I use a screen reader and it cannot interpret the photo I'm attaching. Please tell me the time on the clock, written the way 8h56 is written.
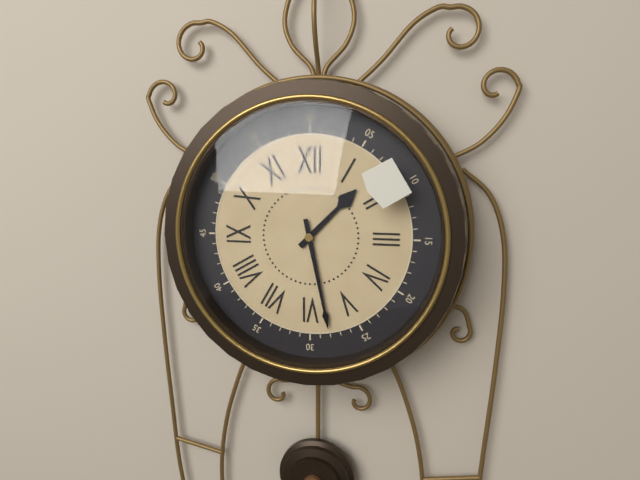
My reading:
1h28
